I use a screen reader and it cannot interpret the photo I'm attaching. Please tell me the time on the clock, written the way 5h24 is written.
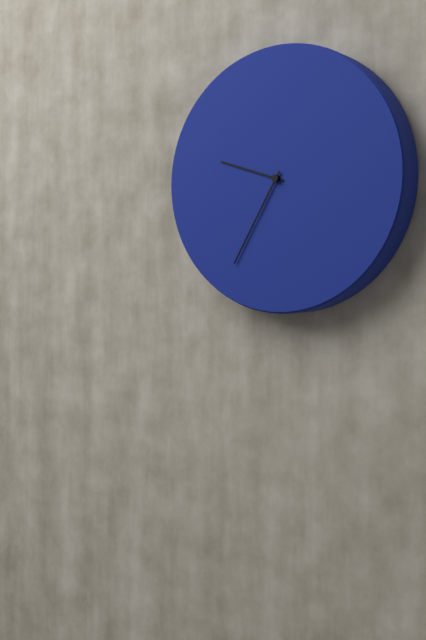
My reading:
9h35
